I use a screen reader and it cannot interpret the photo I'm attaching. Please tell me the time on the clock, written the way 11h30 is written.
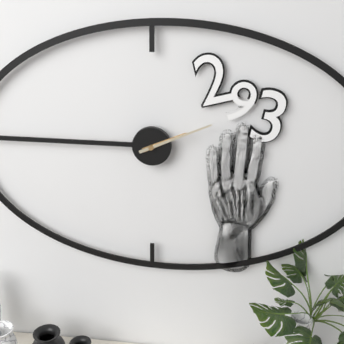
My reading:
2h11
